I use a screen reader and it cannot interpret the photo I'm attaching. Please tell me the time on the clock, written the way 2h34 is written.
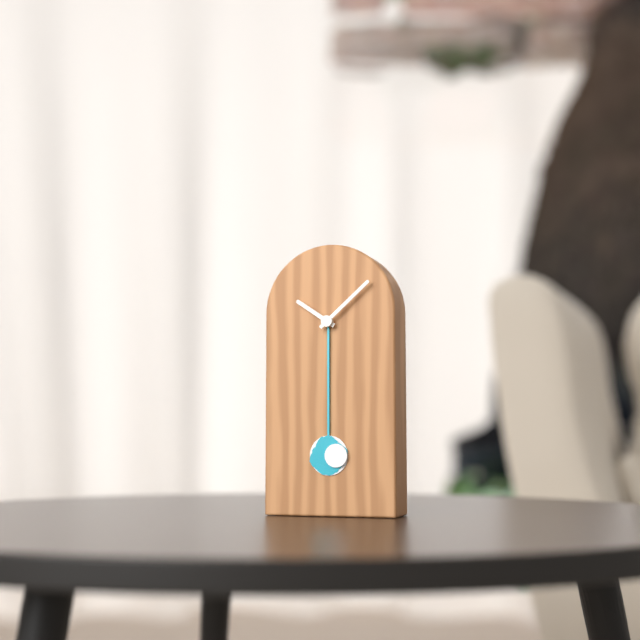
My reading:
10h08
